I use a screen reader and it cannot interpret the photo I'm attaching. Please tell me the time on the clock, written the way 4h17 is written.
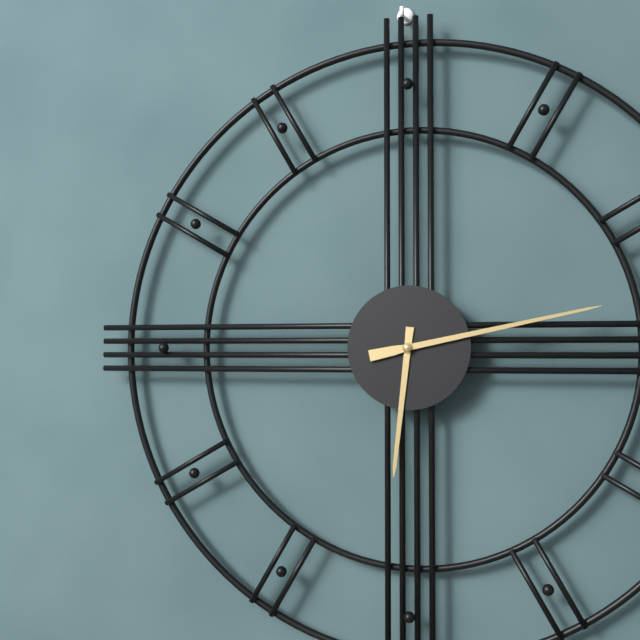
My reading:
6h13
